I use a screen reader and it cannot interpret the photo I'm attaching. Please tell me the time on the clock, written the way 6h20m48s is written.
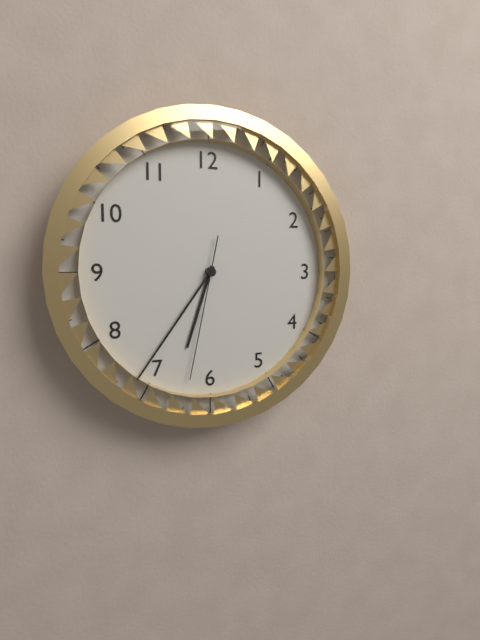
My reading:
6h36m32s
